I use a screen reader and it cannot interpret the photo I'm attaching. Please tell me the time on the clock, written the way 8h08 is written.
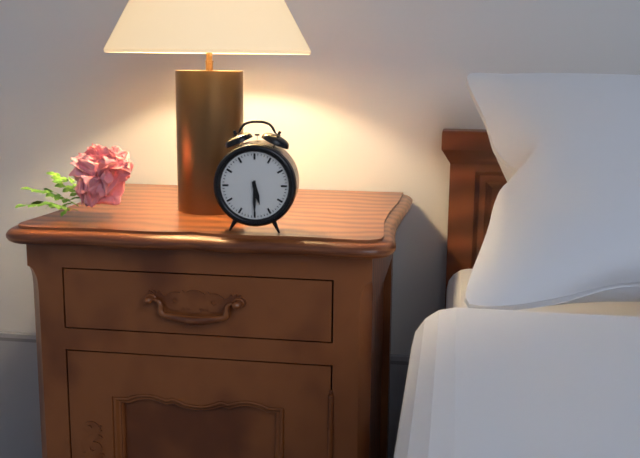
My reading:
5h30
